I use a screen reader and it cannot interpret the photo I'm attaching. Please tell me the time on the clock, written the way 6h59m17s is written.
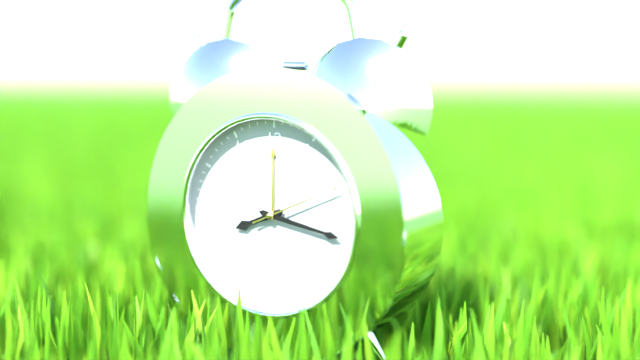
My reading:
8h17m11s
